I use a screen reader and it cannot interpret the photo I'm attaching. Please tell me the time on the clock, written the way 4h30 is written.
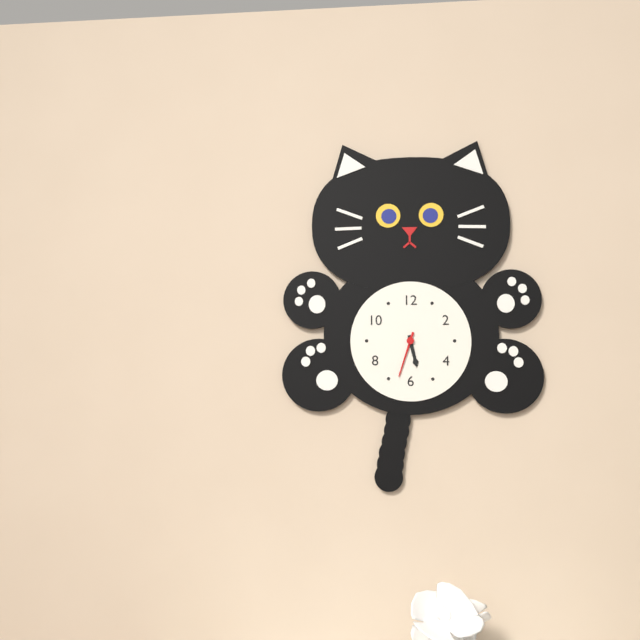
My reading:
5h33
